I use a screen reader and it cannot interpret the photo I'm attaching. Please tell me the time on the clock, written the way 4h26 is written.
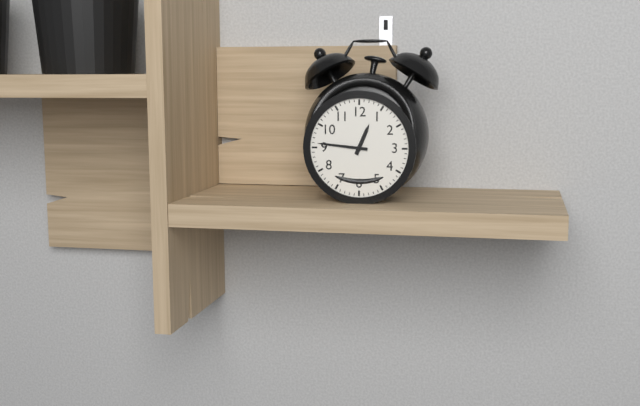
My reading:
12h46
